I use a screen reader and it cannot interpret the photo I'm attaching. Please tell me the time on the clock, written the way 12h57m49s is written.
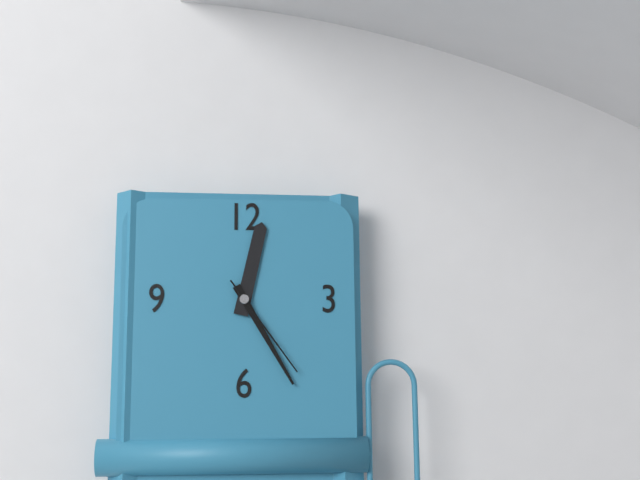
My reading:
12h25m24s
